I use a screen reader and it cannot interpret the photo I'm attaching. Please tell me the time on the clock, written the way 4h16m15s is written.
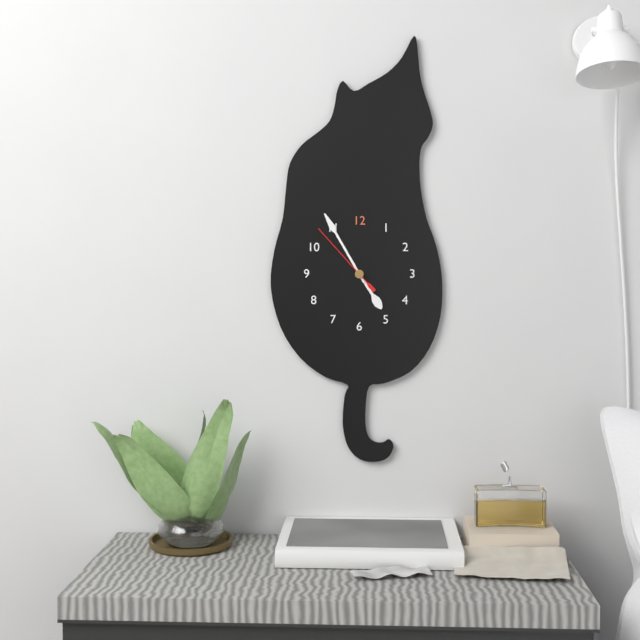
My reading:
4h55m53s
